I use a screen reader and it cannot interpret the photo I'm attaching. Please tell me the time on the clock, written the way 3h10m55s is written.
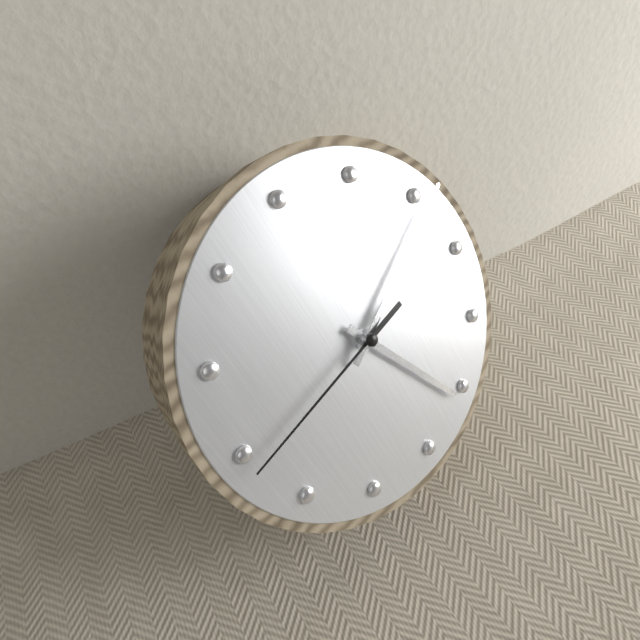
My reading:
5h11m44s
